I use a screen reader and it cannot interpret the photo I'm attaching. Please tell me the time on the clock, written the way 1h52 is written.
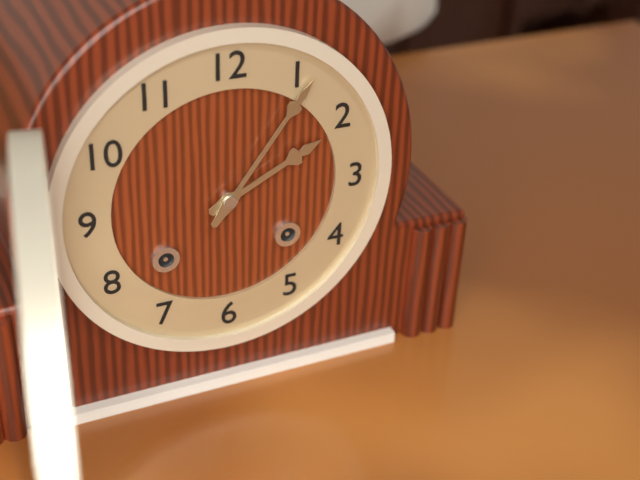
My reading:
2h06
